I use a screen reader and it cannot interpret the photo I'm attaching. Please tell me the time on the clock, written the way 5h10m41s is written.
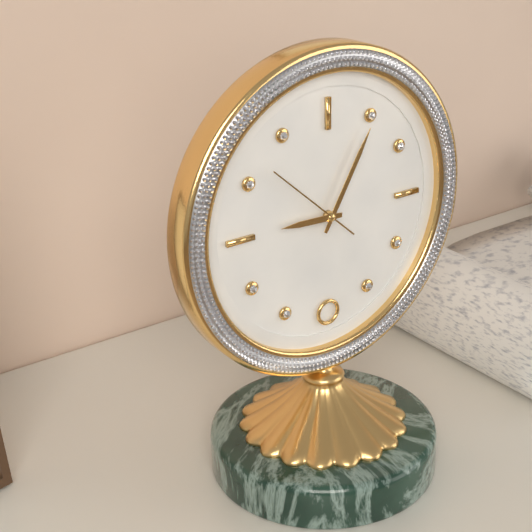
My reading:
9h05m52s
